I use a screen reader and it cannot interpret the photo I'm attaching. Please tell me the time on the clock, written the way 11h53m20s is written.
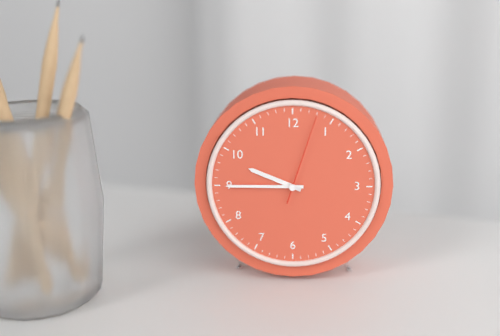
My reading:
9h45m03s
